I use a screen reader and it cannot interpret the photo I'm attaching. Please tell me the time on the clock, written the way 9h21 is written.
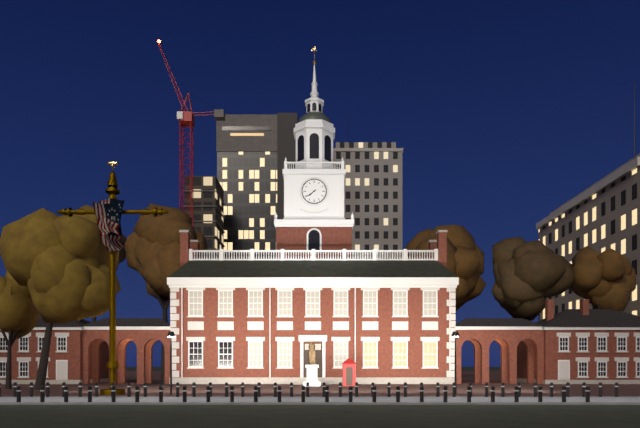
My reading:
7h39
